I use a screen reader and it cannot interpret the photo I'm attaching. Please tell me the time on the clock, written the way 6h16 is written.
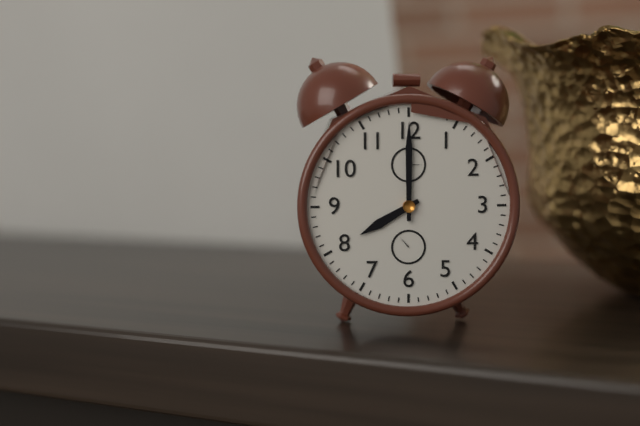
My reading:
8h00
